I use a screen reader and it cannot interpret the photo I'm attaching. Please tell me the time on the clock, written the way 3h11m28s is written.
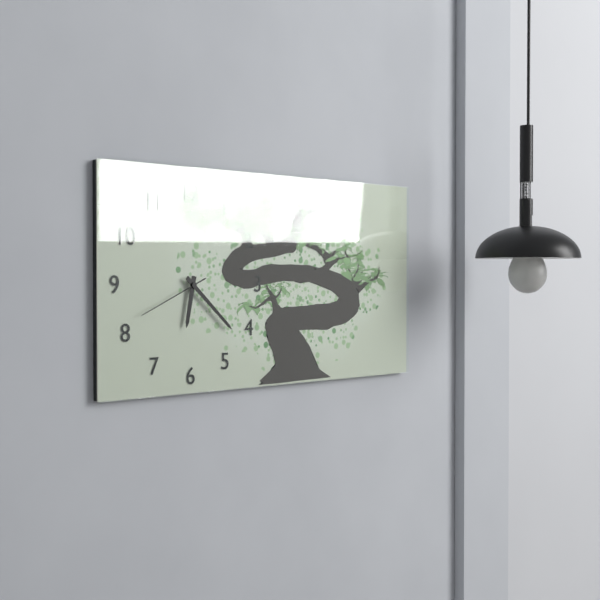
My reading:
6h22m41s
